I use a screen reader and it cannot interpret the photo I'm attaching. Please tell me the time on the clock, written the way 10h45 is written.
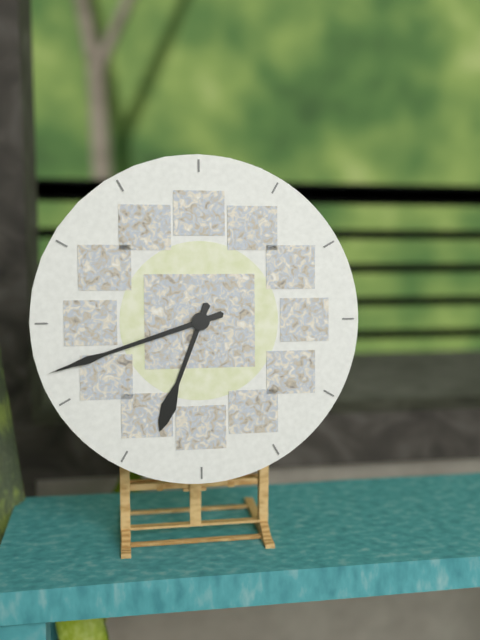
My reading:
6h42
